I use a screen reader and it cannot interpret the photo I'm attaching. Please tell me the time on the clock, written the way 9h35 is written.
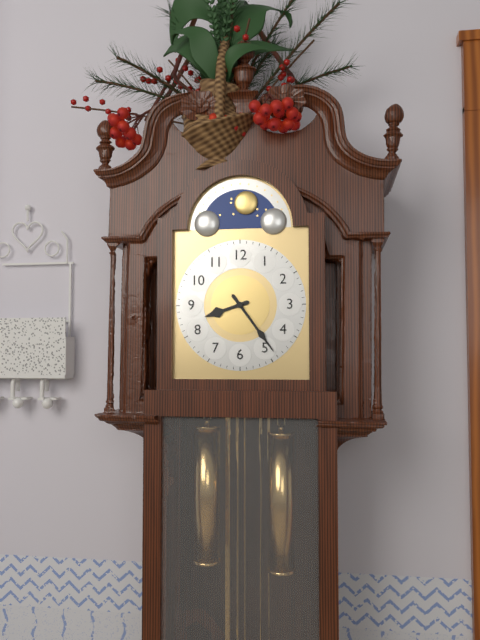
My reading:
8h24
